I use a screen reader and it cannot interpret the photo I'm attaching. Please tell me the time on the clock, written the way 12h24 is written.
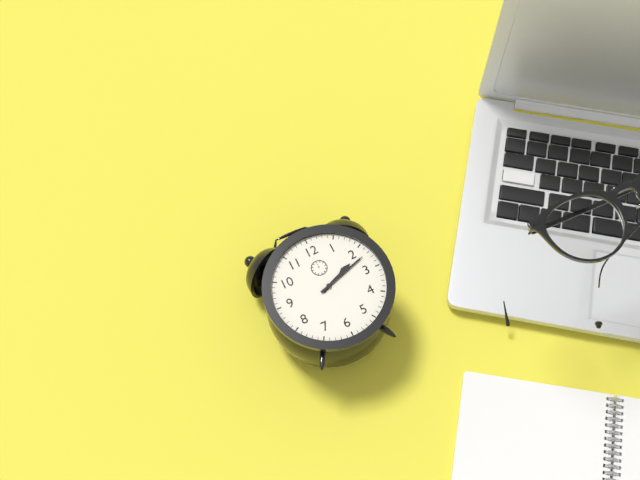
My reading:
2h12
